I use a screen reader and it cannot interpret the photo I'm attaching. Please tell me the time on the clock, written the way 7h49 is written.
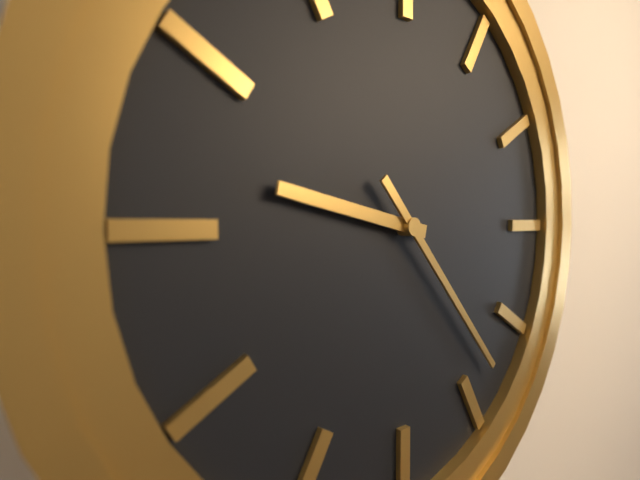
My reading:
9h23
